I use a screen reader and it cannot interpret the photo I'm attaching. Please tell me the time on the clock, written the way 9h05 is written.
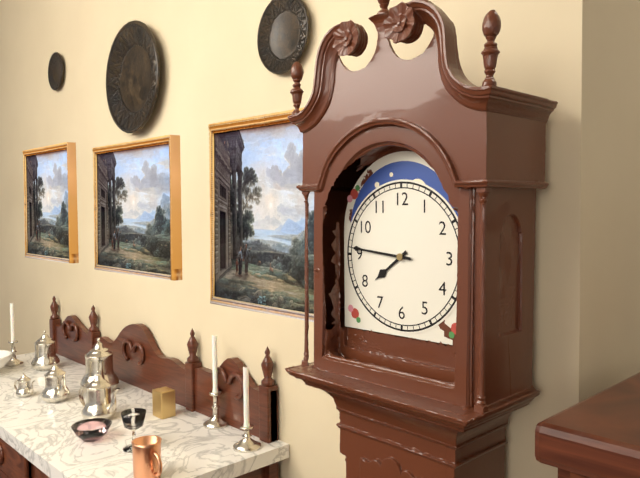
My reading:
7h46
